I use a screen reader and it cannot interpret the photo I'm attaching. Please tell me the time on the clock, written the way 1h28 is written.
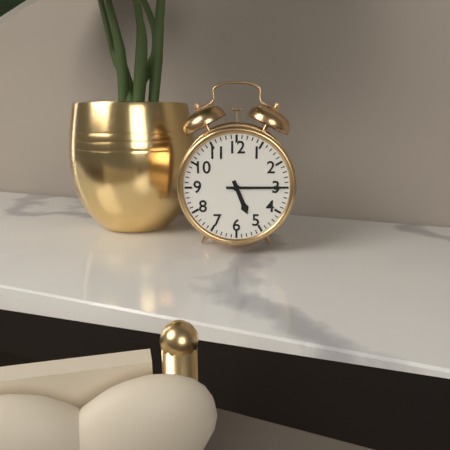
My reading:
5h15
